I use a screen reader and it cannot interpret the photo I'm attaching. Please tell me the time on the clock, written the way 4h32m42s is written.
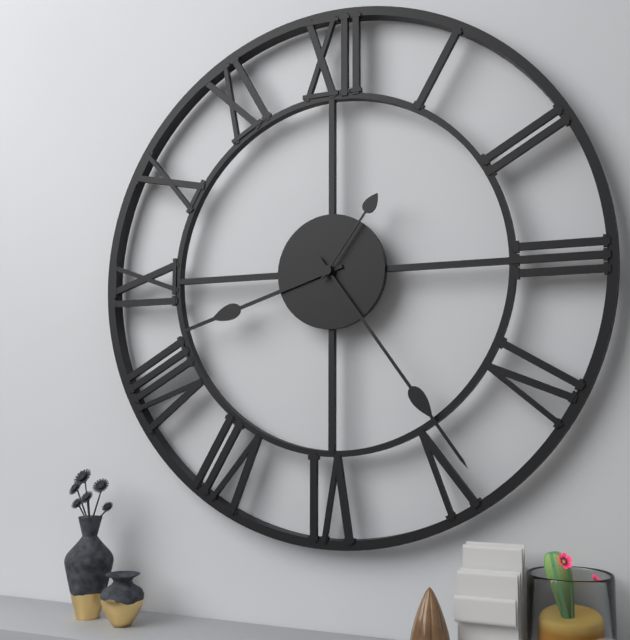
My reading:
8h24m06s
